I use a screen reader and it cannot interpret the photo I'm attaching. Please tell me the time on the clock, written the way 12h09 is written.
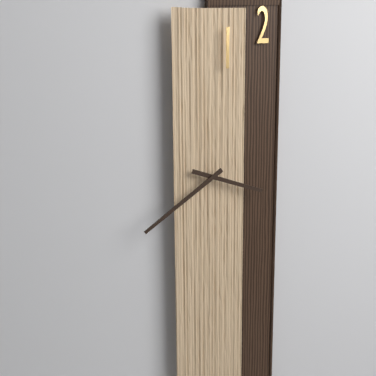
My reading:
3h39
